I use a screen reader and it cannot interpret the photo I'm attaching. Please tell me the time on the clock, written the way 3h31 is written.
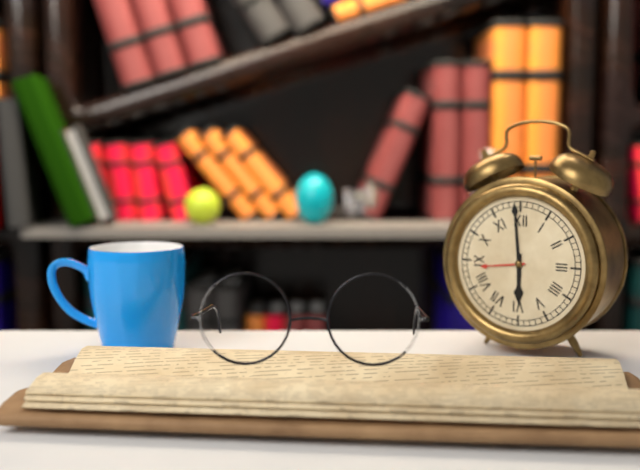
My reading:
5h59
